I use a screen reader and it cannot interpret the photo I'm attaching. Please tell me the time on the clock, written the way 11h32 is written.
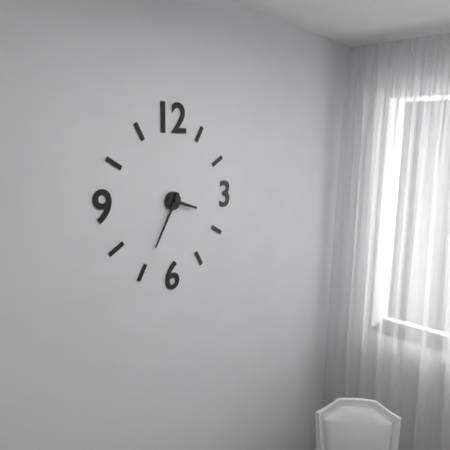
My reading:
3h35
